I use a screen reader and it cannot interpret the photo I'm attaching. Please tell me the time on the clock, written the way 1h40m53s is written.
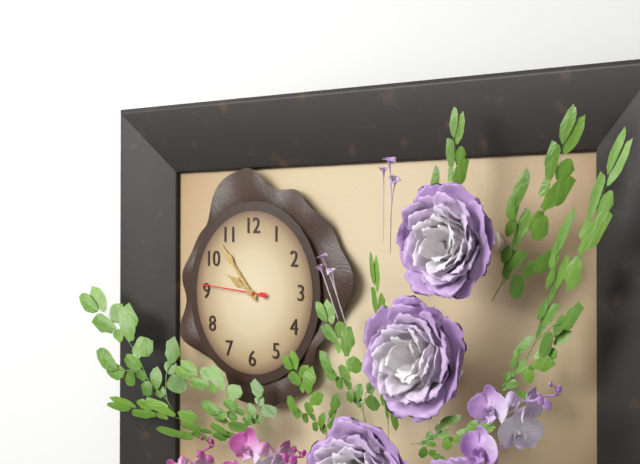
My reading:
9h53m46s
